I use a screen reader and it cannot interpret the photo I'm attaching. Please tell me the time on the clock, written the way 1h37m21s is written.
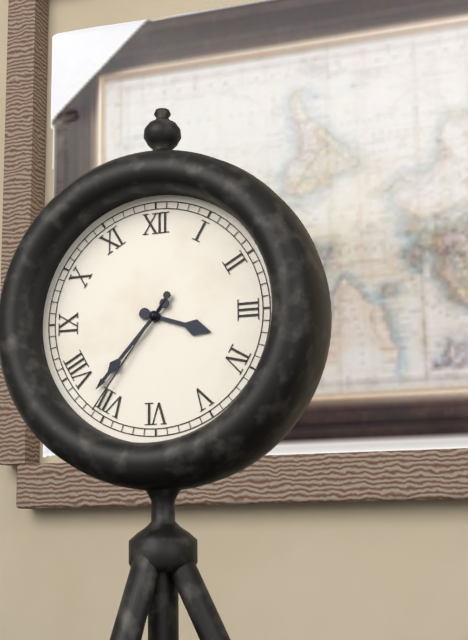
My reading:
3h37m36s
